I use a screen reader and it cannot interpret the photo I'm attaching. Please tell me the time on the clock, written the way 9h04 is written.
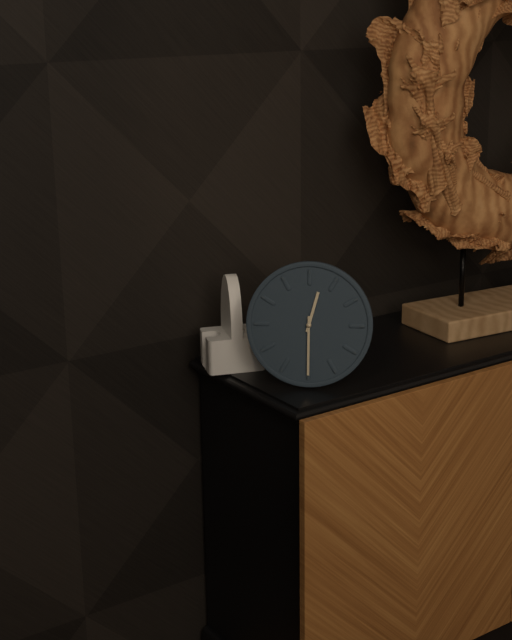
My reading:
12h30
